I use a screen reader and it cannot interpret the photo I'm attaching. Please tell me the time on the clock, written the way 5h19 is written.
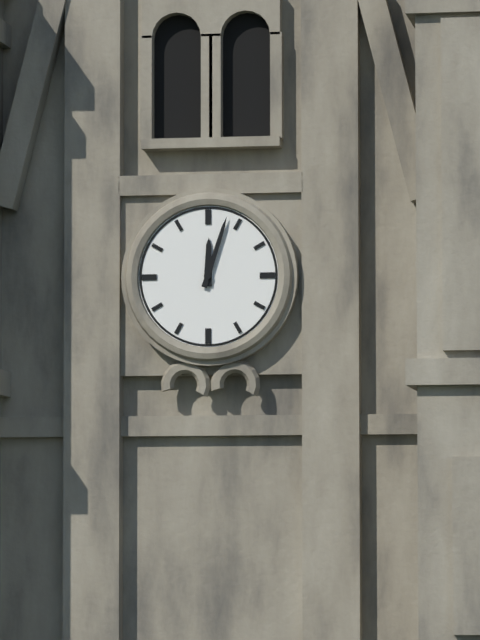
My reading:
12h03
